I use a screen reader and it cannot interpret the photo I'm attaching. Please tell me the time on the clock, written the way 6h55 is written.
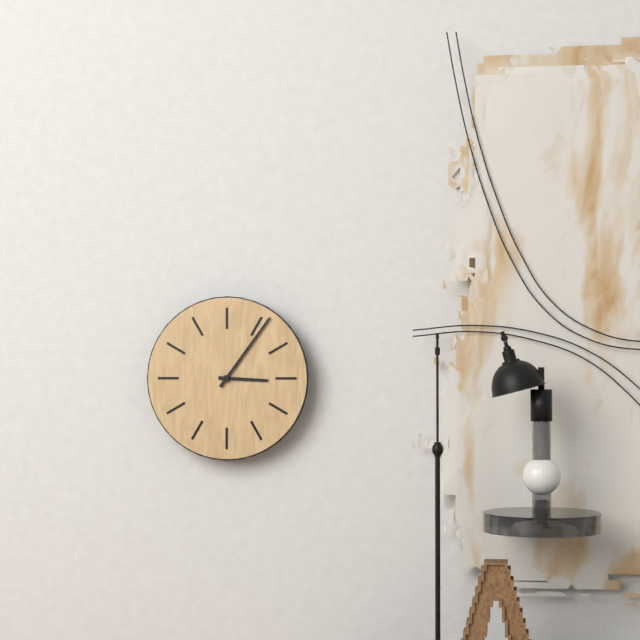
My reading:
3h06
